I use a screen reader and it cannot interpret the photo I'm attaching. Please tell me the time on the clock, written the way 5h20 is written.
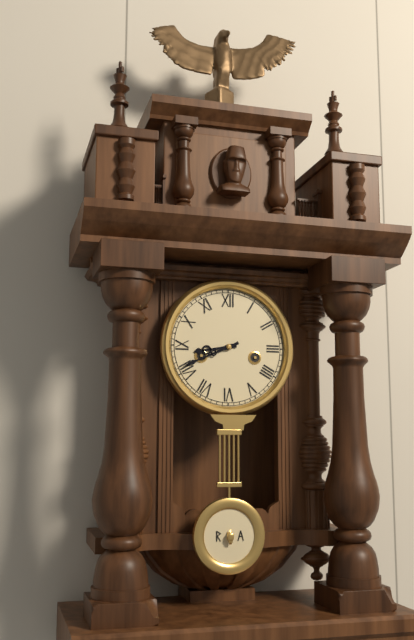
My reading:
8h41
